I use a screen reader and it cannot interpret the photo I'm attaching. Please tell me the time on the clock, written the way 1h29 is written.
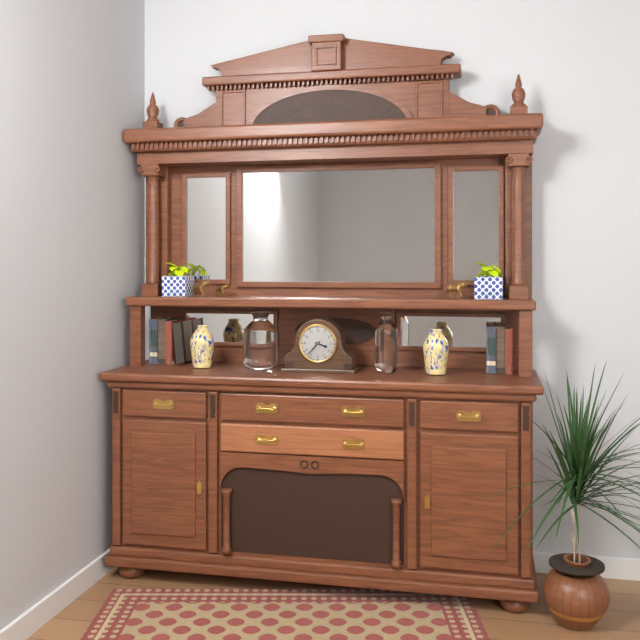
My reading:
3h37
